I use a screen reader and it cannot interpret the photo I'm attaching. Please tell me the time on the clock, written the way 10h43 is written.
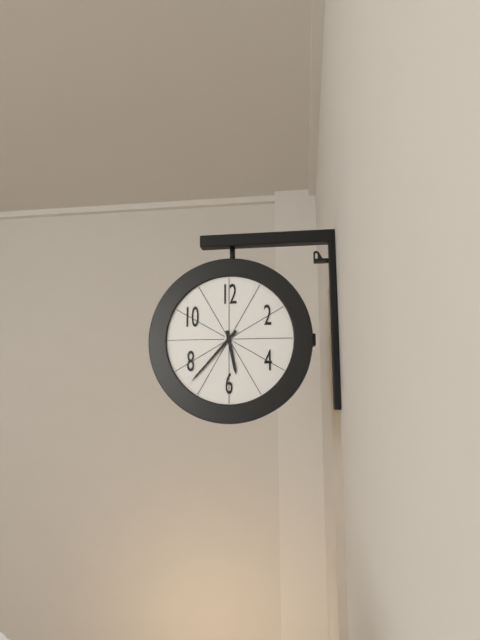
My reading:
5h37
